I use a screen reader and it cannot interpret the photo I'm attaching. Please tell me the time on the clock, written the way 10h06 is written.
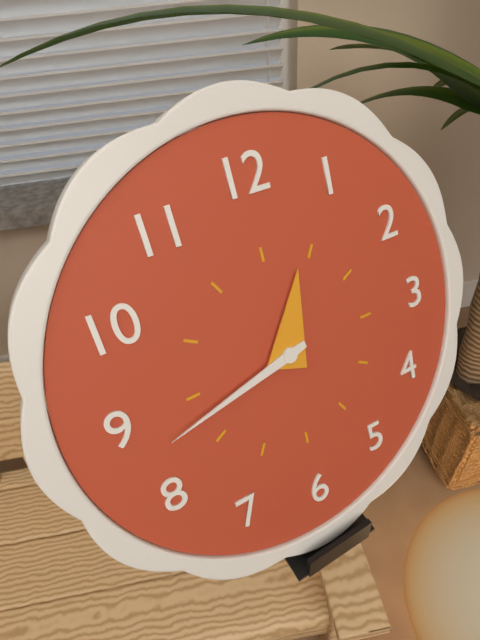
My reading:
12h43
